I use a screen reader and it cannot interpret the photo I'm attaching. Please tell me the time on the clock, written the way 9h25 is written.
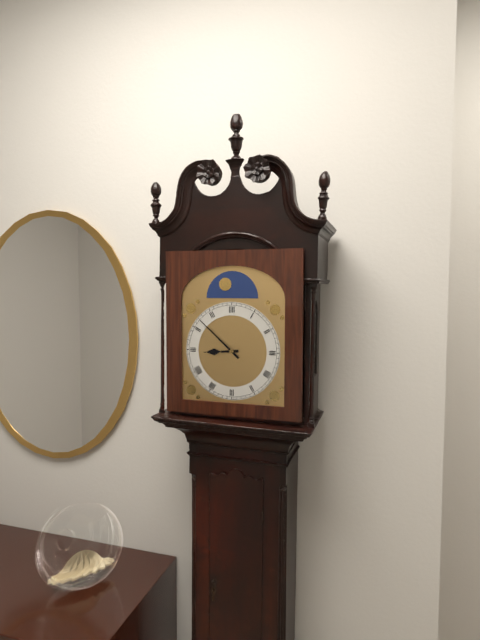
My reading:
8h52
